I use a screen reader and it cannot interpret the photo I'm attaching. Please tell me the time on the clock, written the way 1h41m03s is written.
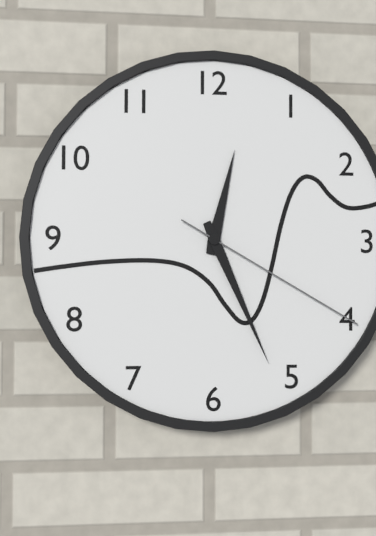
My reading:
12h26m20s
